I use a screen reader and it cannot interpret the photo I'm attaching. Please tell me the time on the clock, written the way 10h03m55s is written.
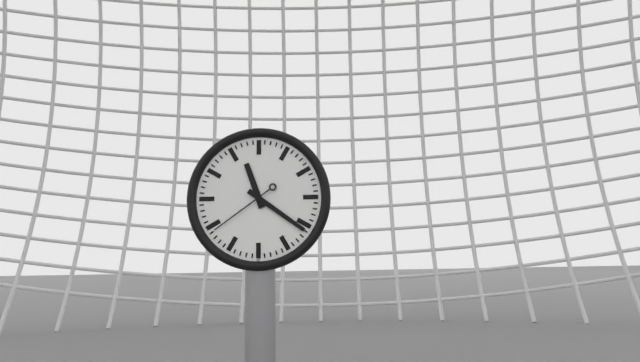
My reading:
11h21m39s
